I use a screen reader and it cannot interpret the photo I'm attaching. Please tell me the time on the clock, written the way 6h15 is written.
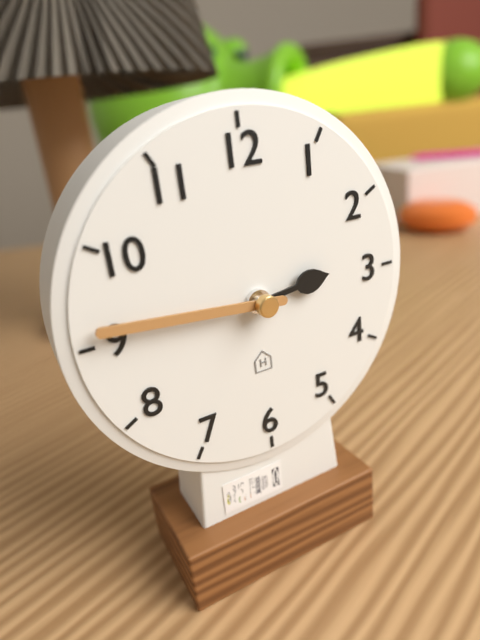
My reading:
2h46
